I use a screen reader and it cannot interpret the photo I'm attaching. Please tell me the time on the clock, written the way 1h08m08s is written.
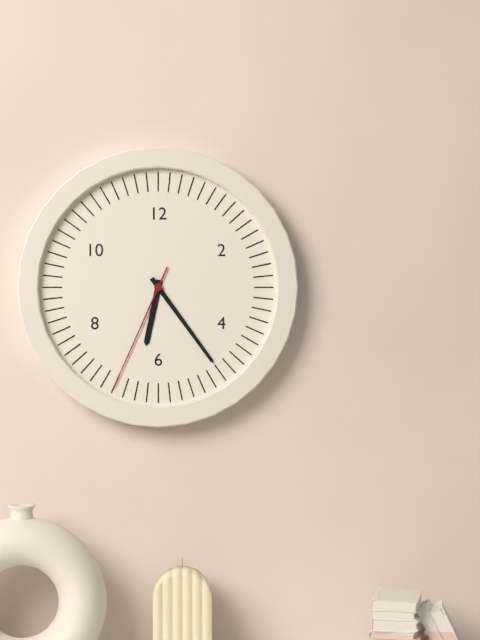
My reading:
6h24m34s
